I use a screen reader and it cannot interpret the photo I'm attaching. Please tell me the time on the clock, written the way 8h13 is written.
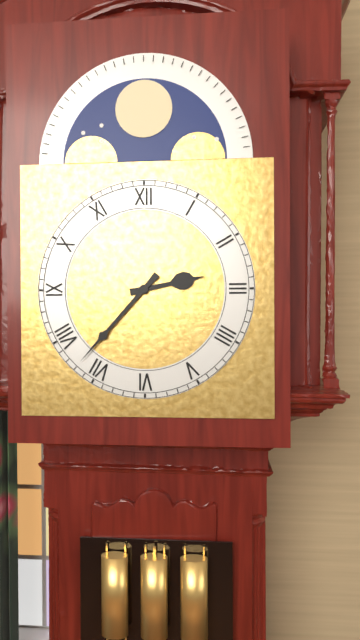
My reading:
2h37
